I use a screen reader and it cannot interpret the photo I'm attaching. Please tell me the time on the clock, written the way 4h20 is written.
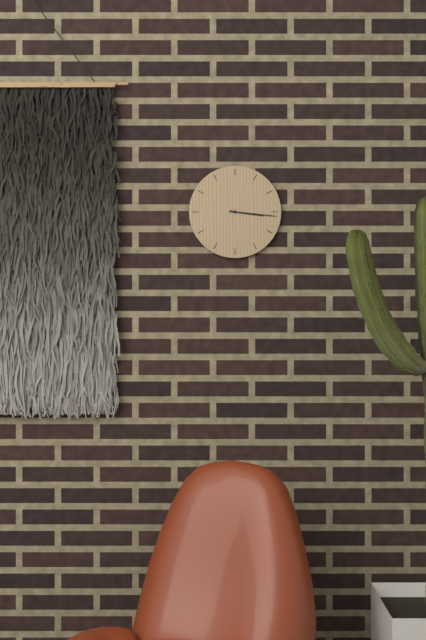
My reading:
3h16
